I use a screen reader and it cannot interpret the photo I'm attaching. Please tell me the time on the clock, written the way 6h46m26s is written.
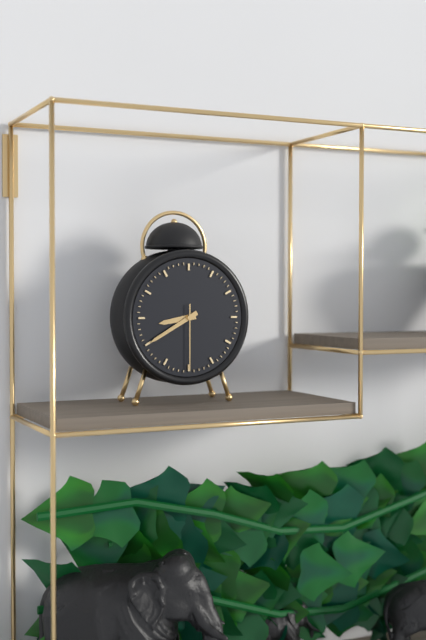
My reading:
8h40m30s
